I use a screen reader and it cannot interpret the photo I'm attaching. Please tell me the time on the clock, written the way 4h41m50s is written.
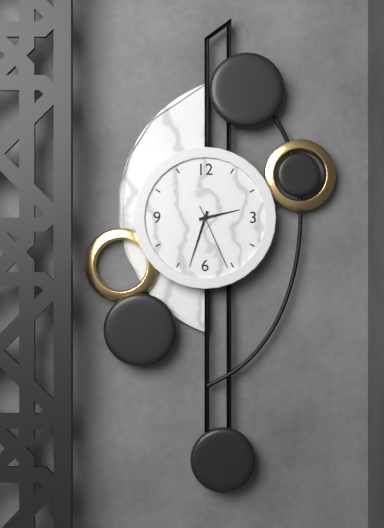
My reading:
2h33m26s
